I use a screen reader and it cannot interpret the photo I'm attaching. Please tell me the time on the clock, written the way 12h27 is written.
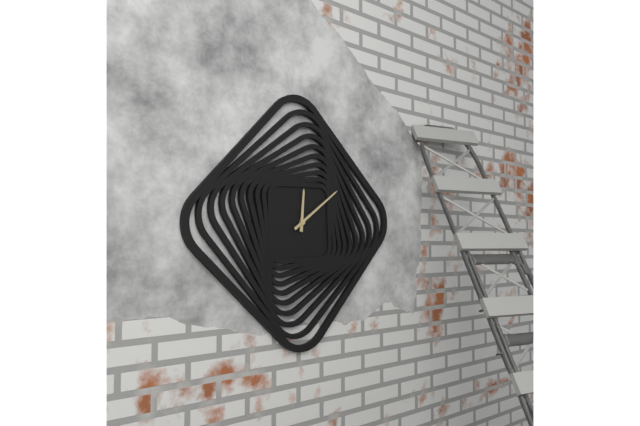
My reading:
12h09
